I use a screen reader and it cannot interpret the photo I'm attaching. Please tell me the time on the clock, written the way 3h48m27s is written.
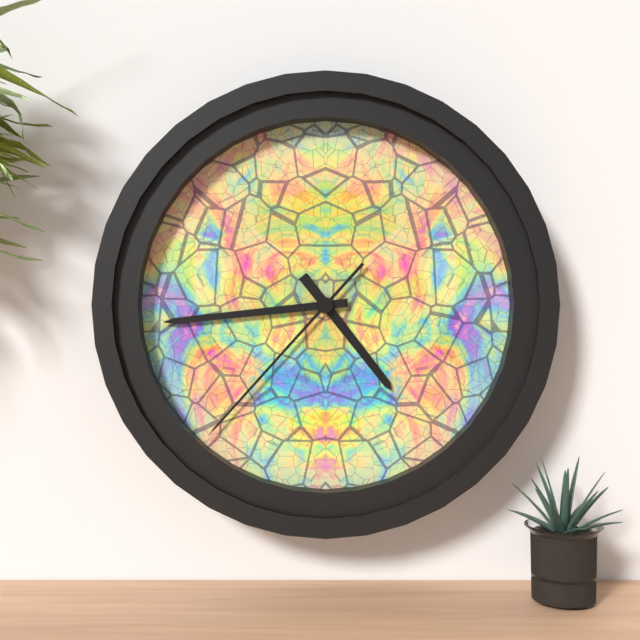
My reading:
4h44m37s
